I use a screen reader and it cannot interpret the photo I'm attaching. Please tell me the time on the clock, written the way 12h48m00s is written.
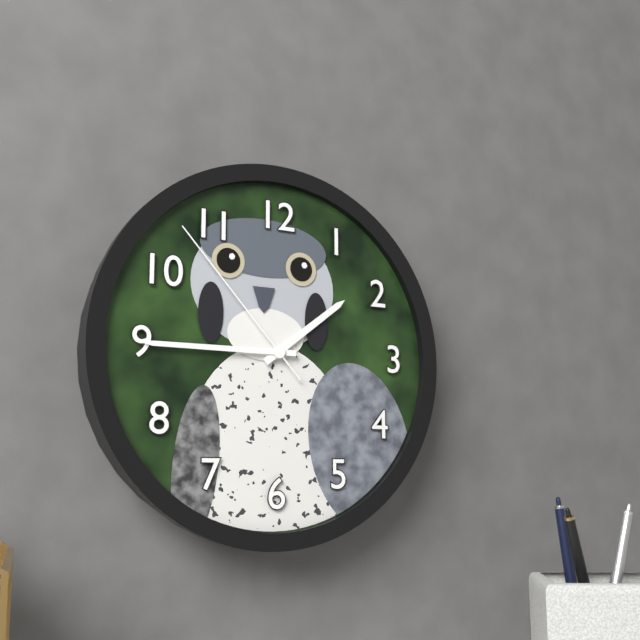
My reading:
1h45m53s
